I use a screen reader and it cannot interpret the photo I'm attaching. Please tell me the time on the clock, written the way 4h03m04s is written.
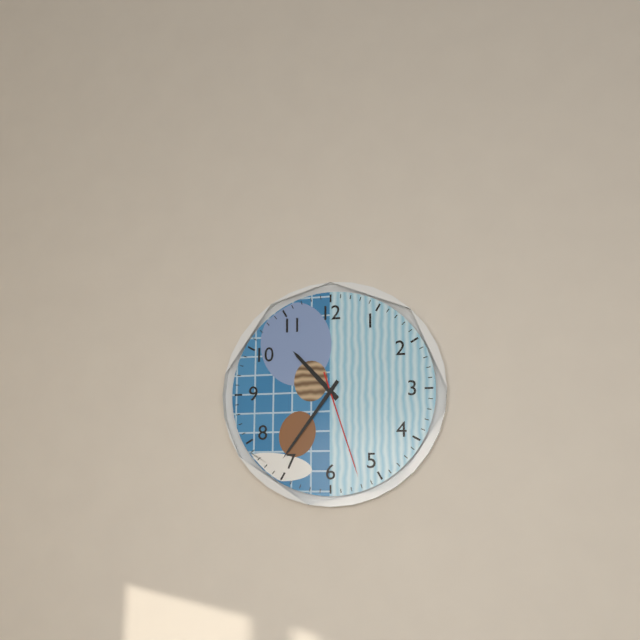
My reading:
10h36m27s
